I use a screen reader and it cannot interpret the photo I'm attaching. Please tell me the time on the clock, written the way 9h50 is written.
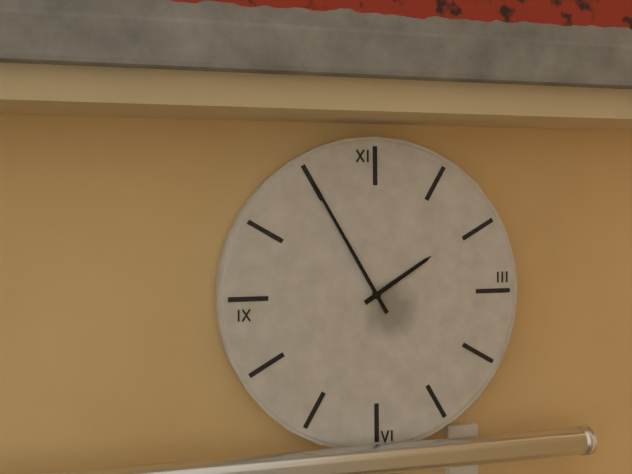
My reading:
1h55
